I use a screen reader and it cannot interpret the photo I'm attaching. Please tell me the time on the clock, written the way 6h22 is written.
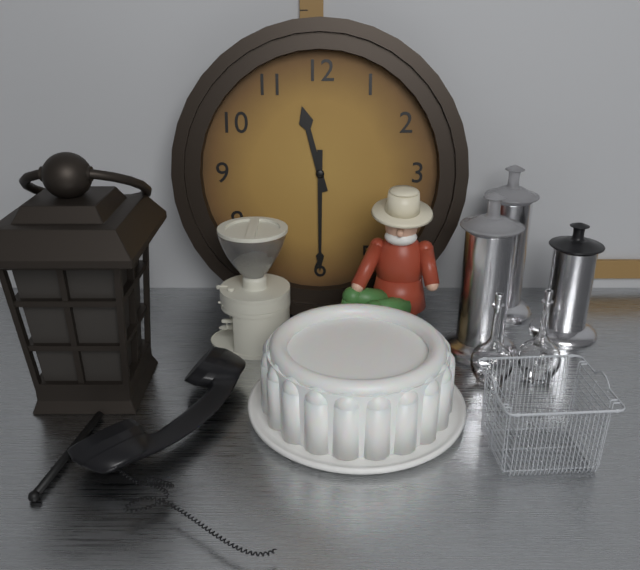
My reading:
11h30
